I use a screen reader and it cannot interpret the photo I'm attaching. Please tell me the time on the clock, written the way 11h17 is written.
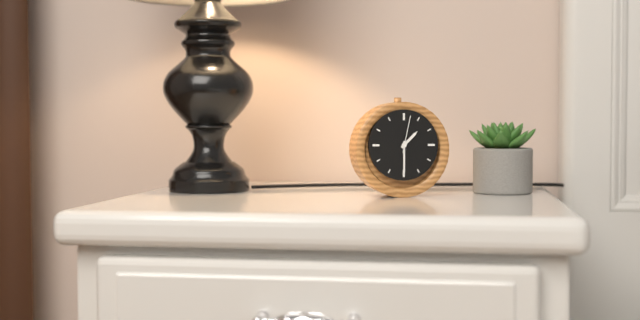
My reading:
1h30
